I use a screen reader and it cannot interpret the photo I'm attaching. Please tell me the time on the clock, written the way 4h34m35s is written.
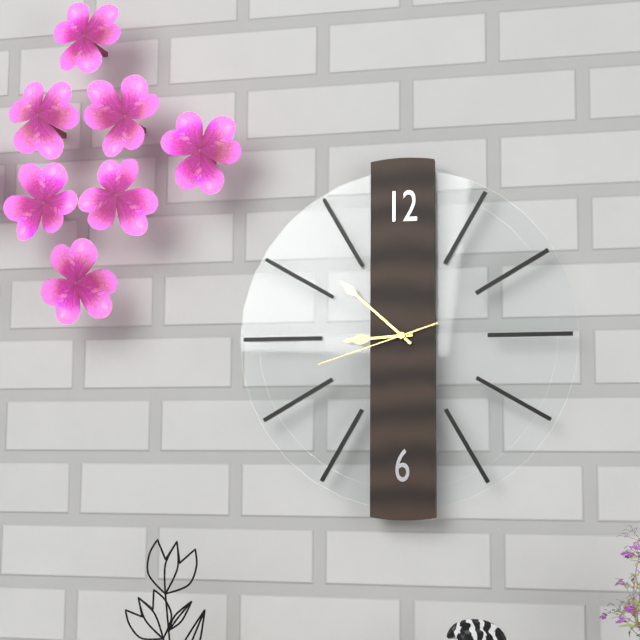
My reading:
8h52m42s
